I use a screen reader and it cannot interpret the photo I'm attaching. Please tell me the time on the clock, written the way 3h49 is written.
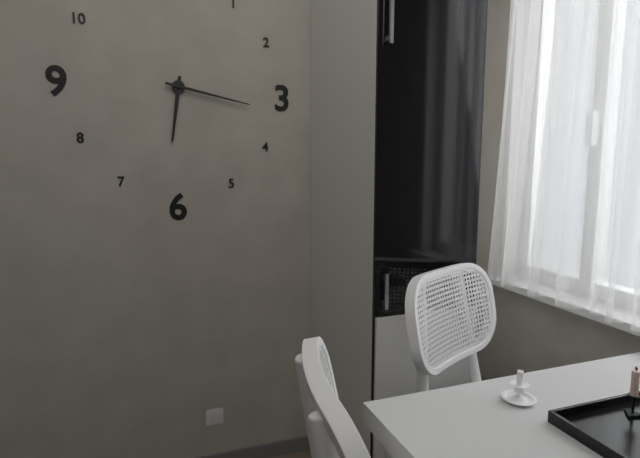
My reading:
6h17
